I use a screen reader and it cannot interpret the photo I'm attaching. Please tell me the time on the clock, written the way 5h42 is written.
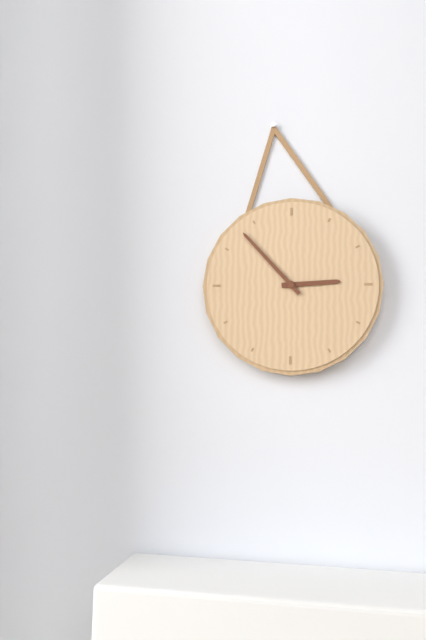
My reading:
2h53
